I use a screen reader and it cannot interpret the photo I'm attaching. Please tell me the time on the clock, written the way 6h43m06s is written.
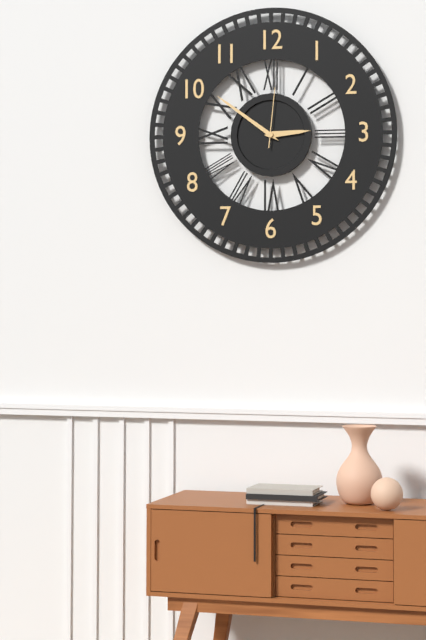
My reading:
2h51m01s
